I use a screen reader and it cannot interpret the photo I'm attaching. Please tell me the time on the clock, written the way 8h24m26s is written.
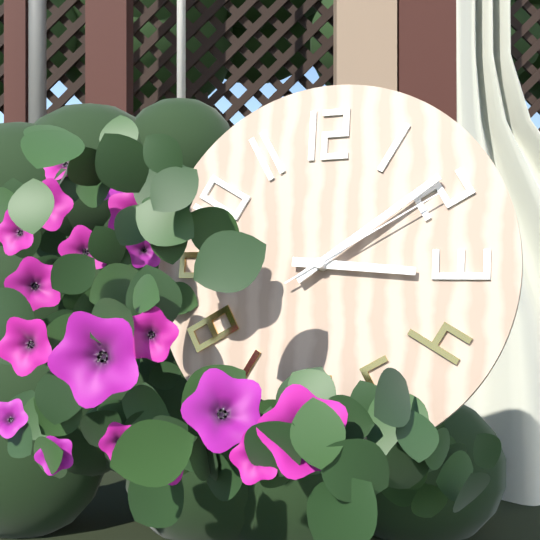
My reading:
3h09m10s
